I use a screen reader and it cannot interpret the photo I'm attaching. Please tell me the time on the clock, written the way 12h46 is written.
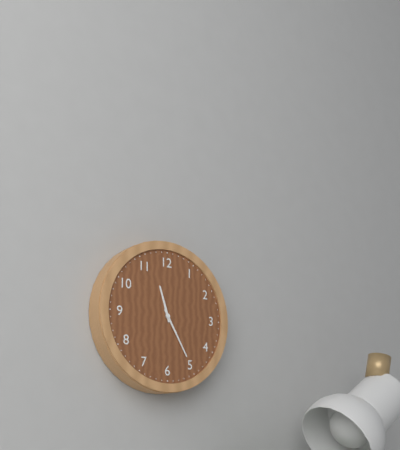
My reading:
11h25
